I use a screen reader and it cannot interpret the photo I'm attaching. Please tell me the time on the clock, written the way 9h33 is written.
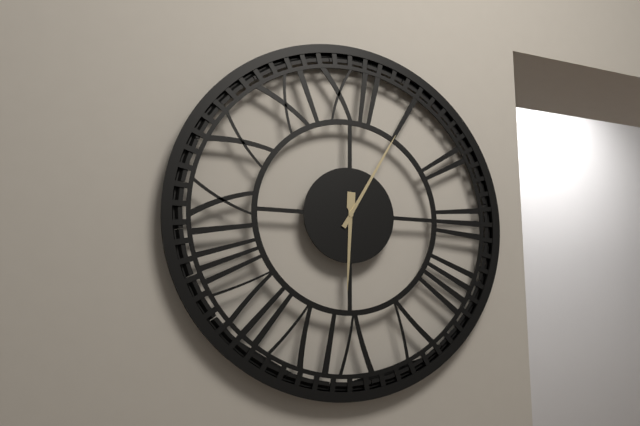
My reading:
6h05
